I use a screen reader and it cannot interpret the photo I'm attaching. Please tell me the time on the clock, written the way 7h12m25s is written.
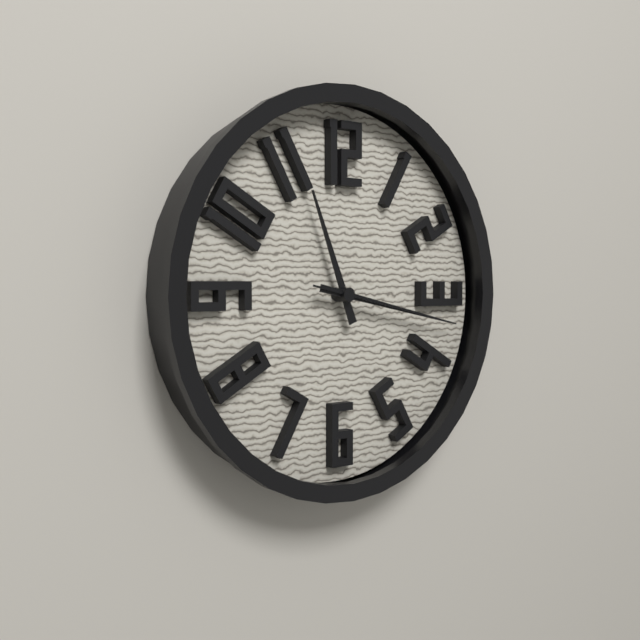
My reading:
11h17m17s
